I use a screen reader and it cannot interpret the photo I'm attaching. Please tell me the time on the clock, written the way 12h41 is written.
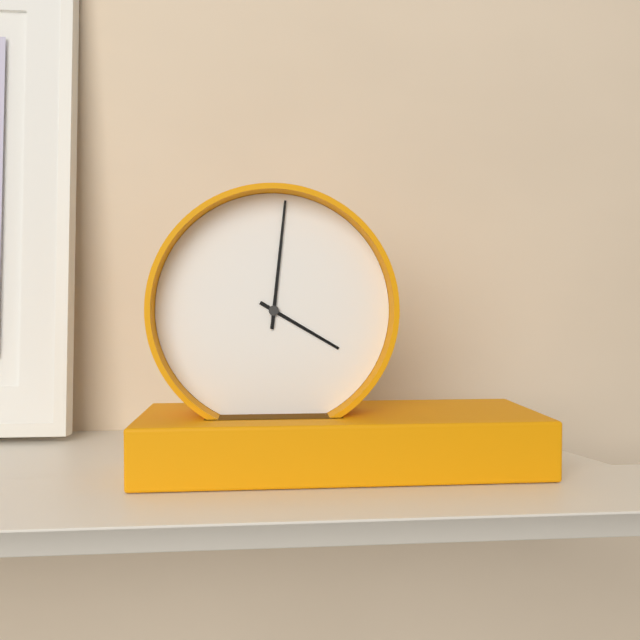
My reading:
4h01
